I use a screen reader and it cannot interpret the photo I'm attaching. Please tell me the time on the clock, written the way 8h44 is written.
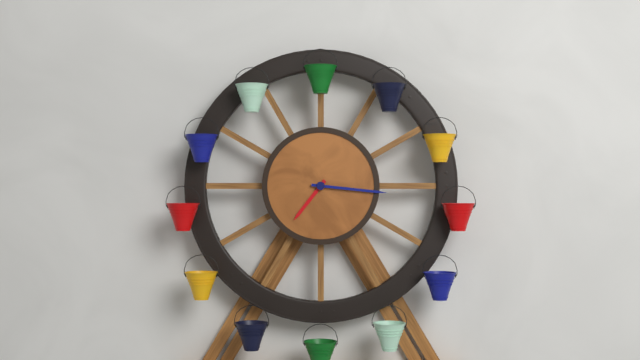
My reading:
7h16
